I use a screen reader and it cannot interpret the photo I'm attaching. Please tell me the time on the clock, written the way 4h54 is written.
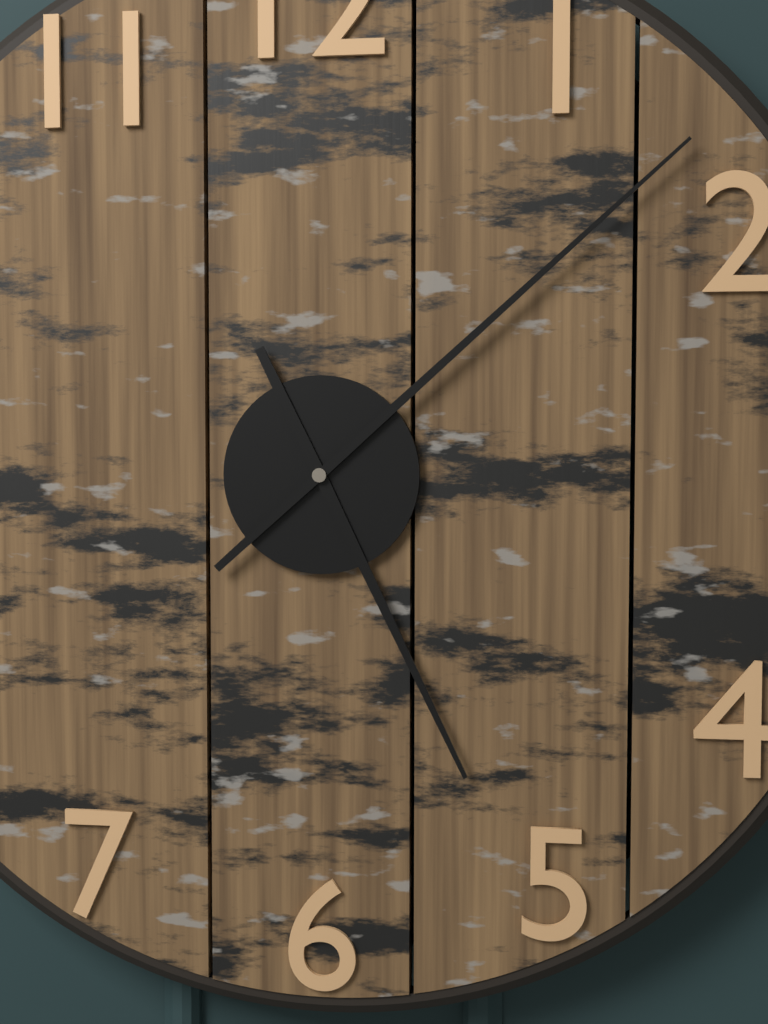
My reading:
5h08
